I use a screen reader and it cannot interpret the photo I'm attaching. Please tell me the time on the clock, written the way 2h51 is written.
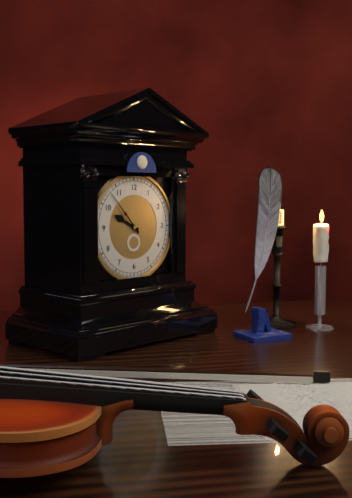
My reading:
9h53
